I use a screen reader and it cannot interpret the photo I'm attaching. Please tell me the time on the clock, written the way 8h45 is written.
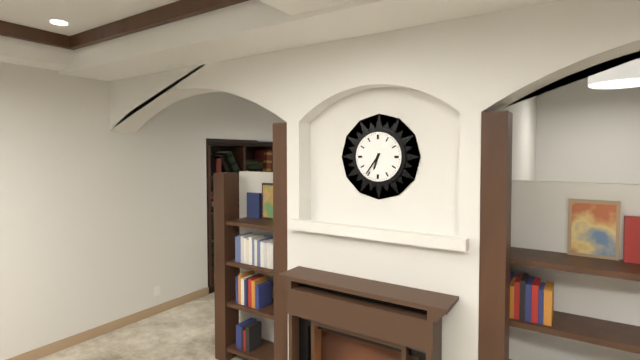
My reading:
6h36
